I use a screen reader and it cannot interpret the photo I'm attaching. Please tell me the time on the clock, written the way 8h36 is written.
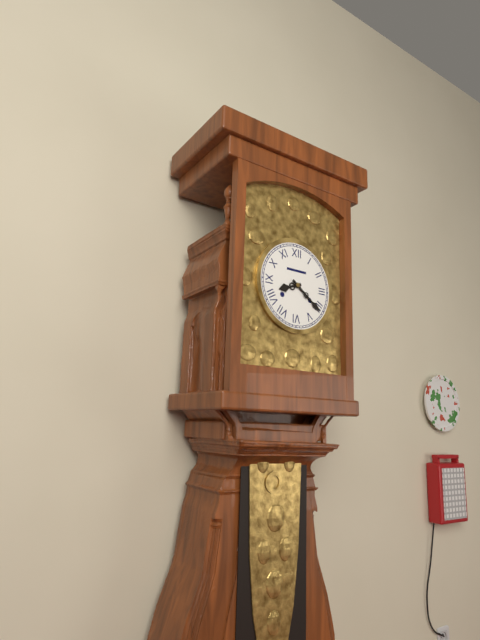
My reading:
8h21
